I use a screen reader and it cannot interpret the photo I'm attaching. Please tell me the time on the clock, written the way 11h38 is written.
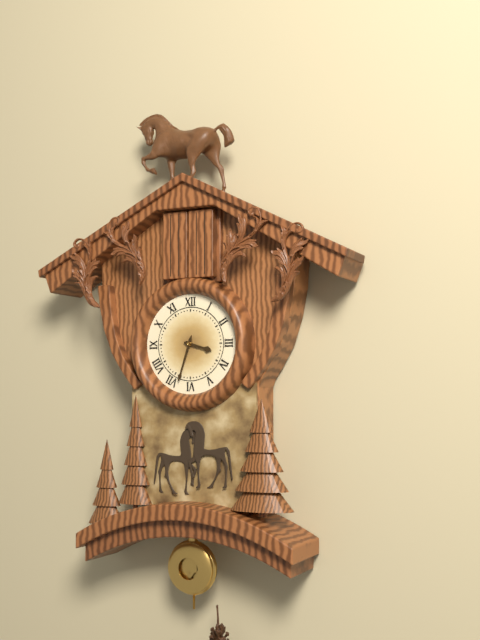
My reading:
3h33
